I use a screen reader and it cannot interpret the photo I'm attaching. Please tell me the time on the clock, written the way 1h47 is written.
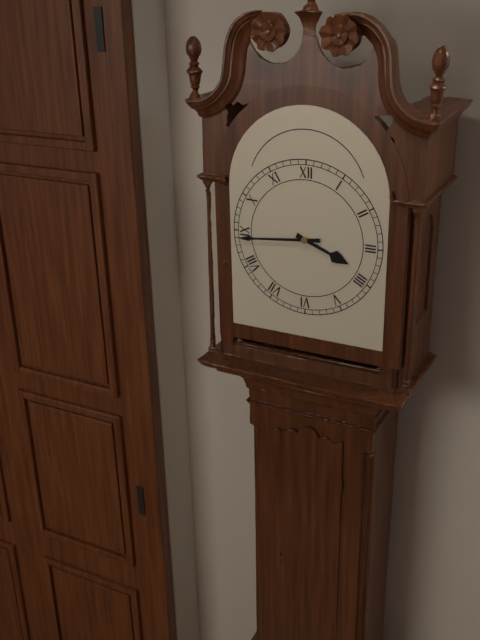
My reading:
3h44
